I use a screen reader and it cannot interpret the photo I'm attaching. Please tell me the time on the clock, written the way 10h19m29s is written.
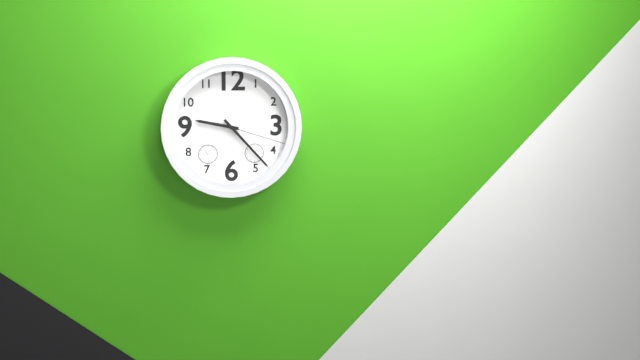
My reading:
9h23m18s
